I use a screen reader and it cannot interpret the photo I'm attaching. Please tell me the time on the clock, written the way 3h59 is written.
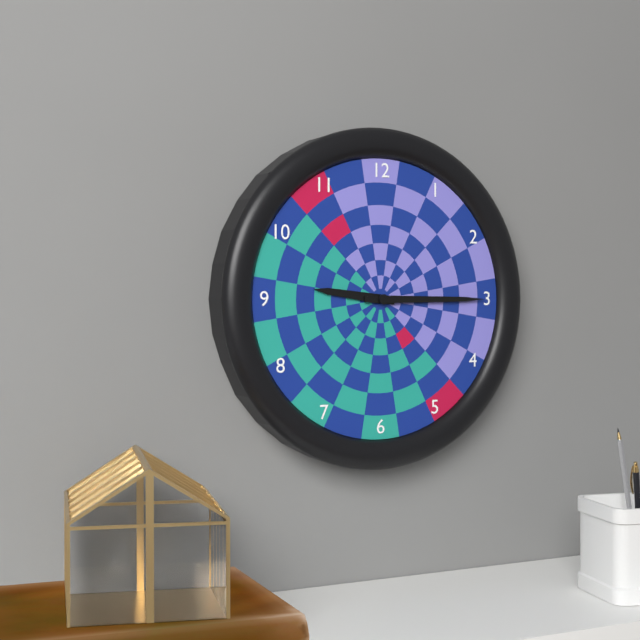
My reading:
9h15
